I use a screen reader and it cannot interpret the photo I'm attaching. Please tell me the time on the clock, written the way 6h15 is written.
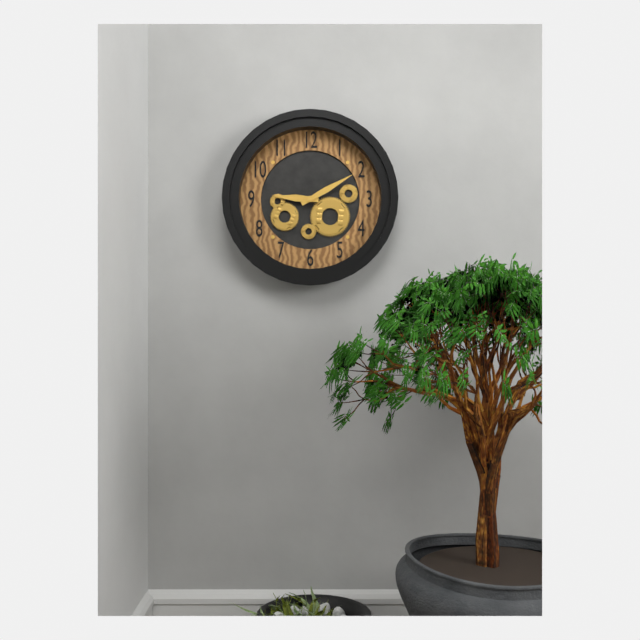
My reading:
9h10
